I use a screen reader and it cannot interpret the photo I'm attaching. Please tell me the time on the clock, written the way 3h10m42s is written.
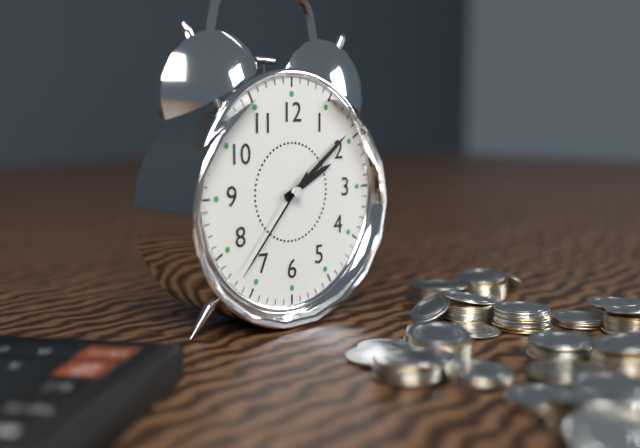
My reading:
2h09m37s
